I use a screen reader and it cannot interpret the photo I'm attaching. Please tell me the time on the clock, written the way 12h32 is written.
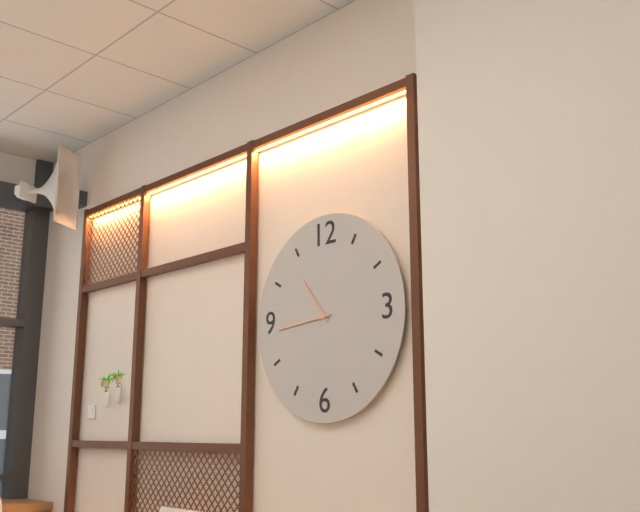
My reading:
10h44
